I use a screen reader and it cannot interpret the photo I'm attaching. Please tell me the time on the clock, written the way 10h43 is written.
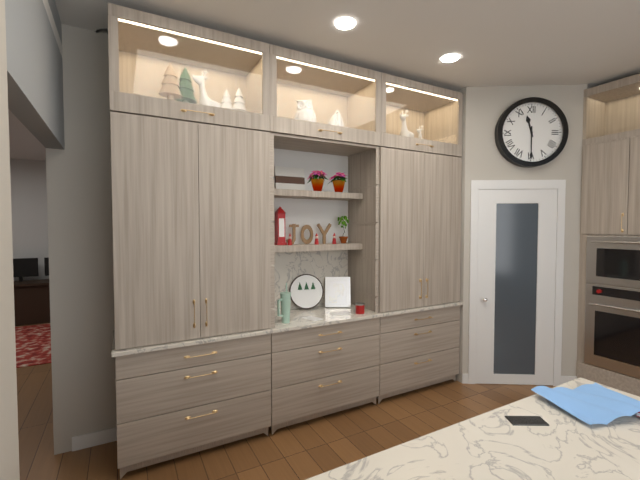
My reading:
11h30
